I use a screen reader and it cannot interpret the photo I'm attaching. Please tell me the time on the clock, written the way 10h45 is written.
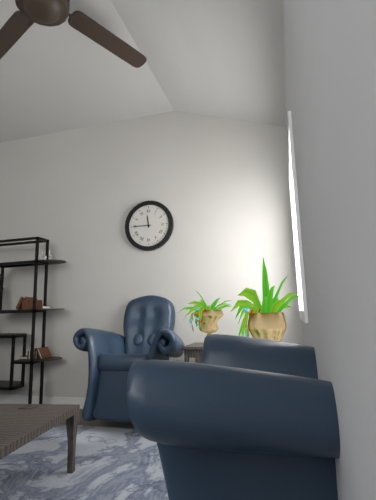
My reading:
11h45
